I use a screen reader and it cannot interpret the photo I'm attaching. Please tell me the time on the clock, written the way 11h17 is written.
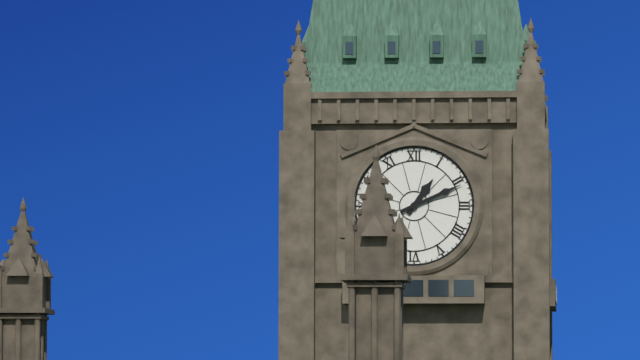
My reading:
1h11
